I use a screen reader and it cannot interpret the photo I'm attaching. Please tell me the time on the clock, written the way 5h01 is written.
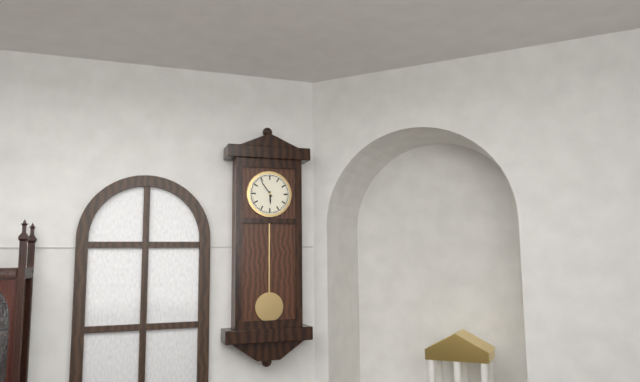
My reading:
5h54
